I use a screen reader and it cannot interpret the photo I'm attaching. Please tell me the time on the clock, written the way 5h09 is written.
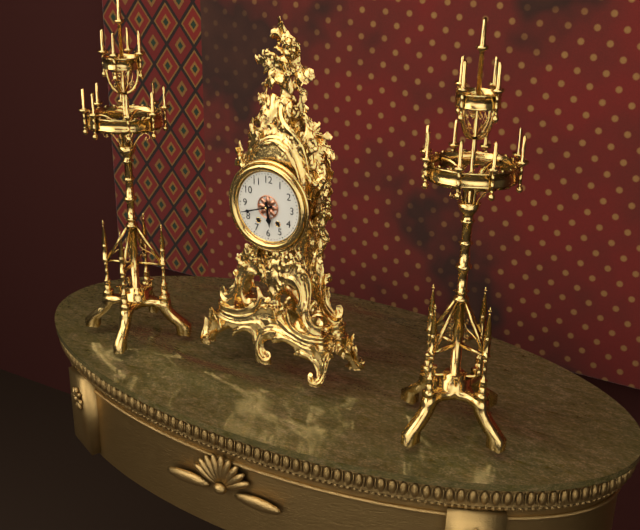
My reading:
5h42
